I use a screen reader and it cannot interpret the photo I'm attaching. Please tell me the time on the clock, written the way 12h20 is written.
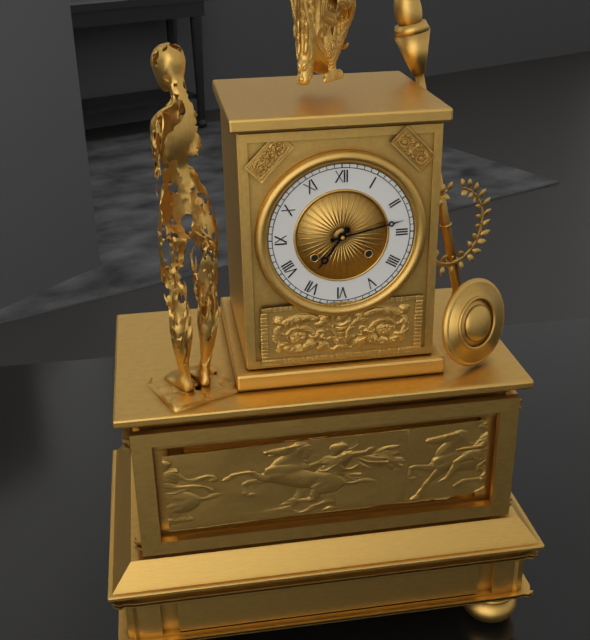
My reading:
7h13
